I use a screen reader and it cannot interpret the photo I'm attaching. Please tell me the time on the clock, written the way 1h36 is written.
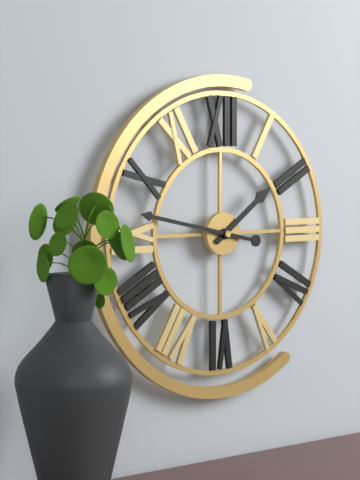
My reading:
1h47
